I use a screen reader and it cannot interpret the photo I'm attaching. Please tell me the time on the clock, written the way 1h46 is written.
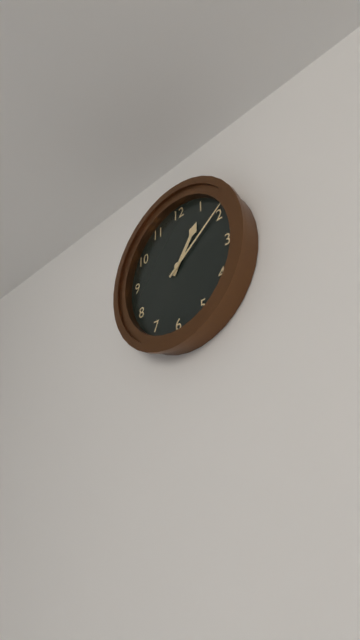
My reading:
1h09
